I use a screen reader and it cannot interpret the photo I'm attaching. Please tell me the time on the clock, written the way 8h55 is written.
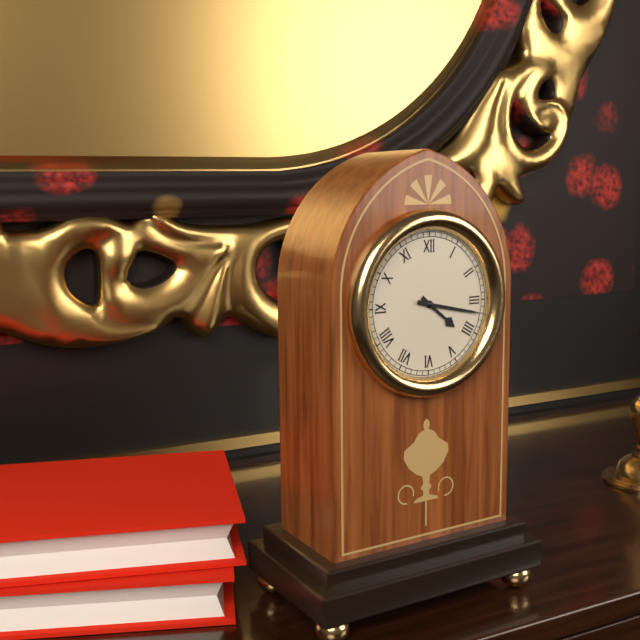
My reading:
4h17
